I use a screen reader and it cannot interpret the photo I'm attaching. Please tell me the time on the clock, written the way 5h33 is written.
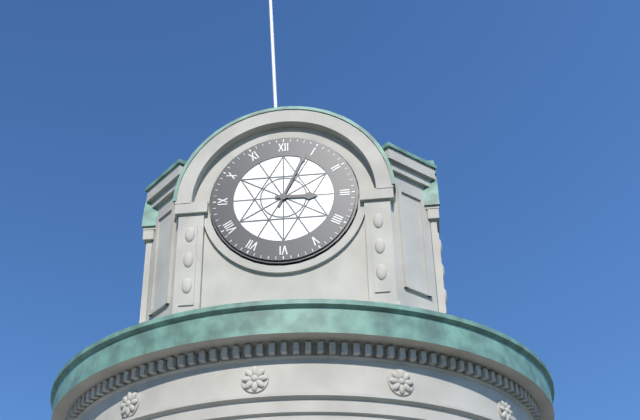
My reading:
3h04
